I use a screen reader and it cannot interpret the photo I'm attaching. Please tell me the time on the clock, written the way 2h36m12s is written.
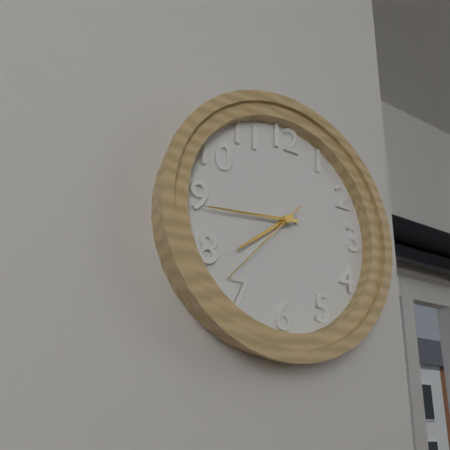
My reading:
7h44m37s
